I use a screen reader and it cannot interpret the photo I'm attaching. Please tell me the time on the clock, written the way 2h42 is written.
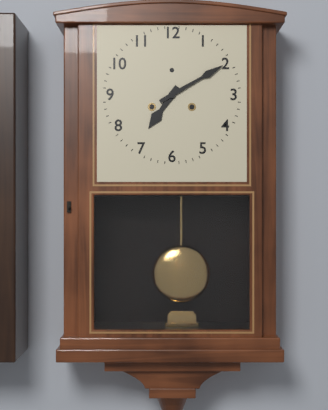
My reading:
7h10
